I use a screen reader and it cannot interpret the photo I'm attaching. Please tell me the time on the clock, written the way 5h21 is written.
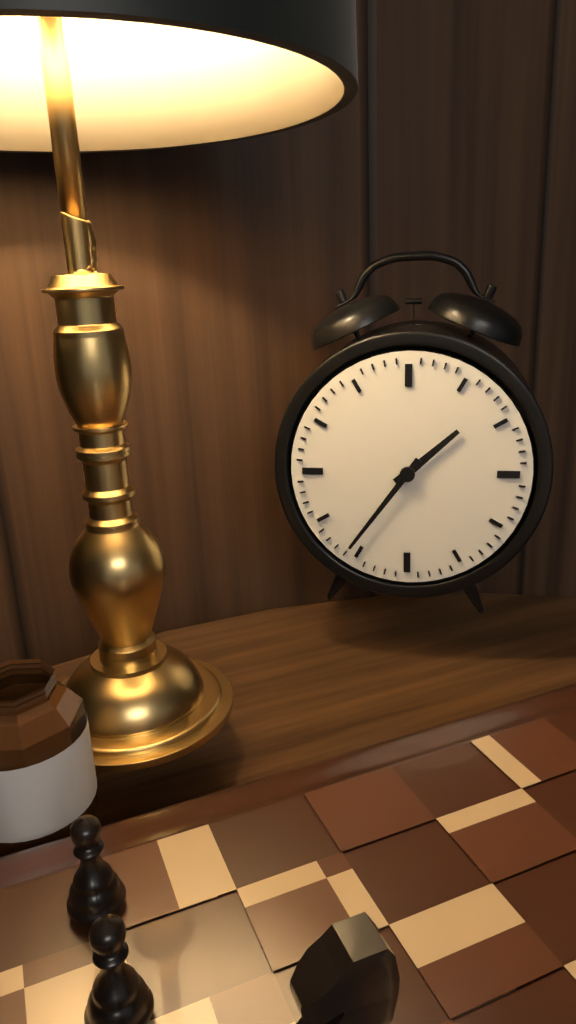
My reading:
1h36
